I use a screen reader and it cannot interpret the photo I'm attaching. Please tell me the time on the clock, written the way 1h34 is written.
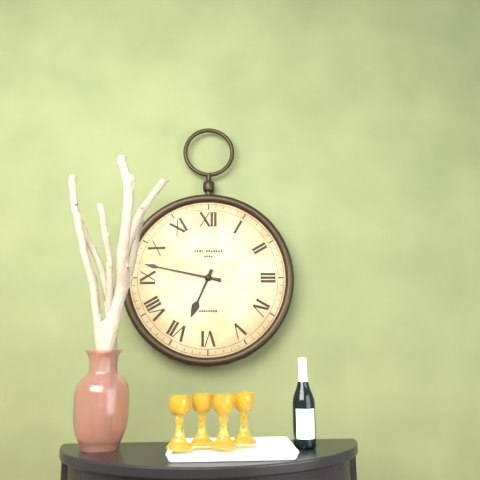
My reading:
6h47
